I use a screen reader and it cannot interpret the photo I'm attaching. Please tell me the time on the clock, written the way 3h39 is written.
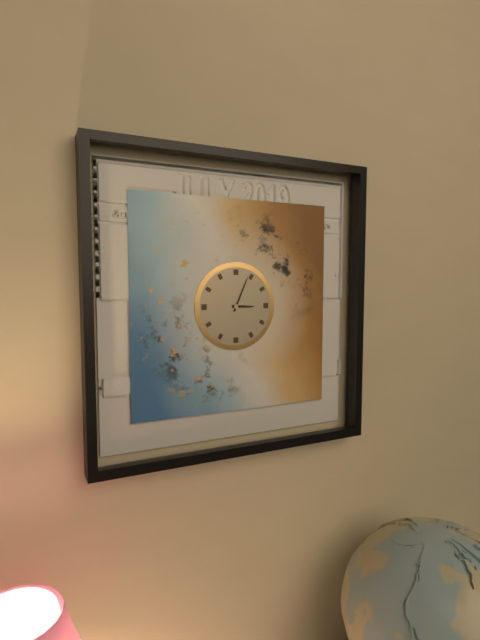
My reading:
3h04
